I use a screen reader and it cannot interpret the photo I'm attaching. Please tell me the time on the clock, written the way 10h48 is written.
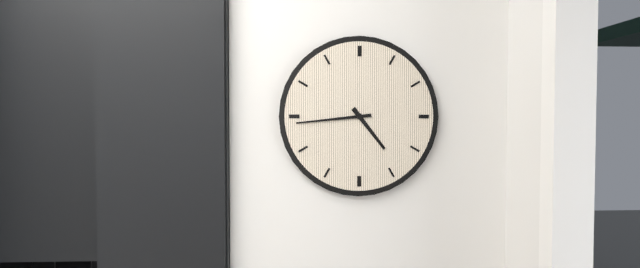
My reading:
4h44
